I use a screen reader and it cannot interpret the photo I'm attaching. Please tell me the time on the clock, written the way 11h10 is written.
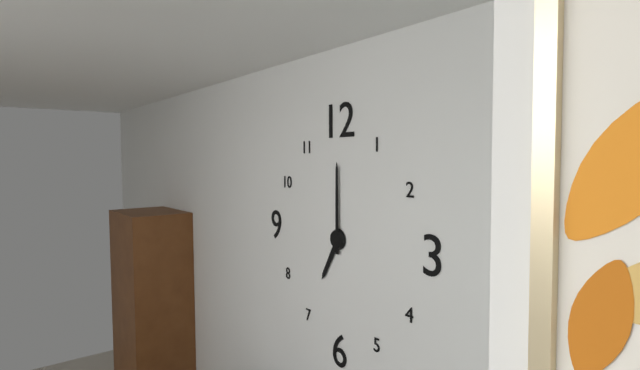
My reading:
7h00
